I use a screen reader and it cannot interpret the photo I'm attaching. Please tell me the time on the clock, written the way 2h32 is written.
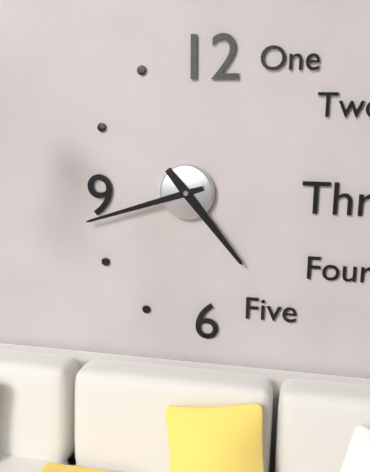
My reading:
4h42
